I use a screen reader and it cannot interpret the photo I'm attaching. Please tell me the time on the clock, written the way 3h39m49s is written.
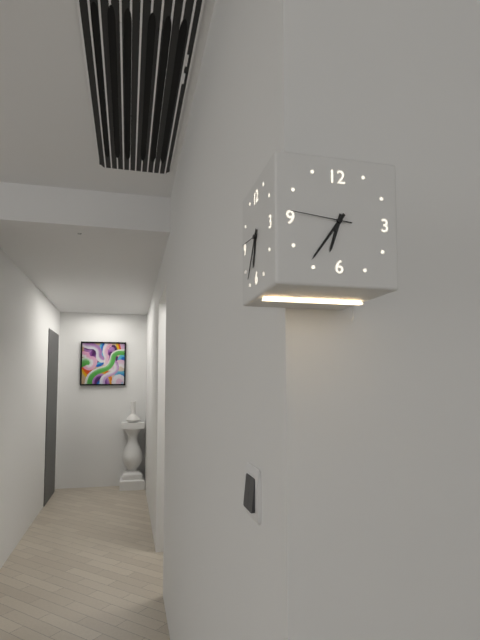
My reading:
6h36m46s
